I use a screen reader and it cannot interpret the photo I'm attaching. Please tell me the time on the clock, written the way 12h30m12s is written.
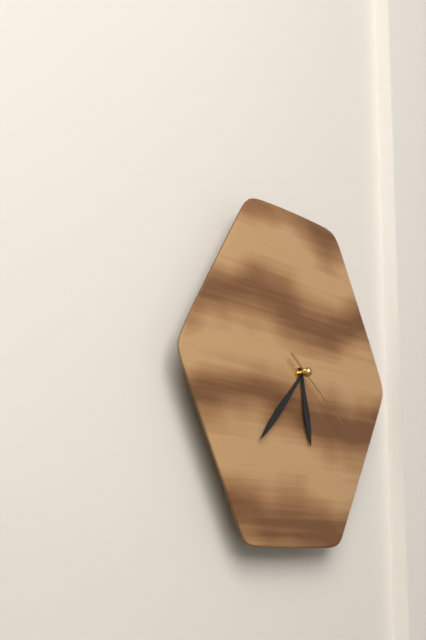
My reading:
5h37m21s
